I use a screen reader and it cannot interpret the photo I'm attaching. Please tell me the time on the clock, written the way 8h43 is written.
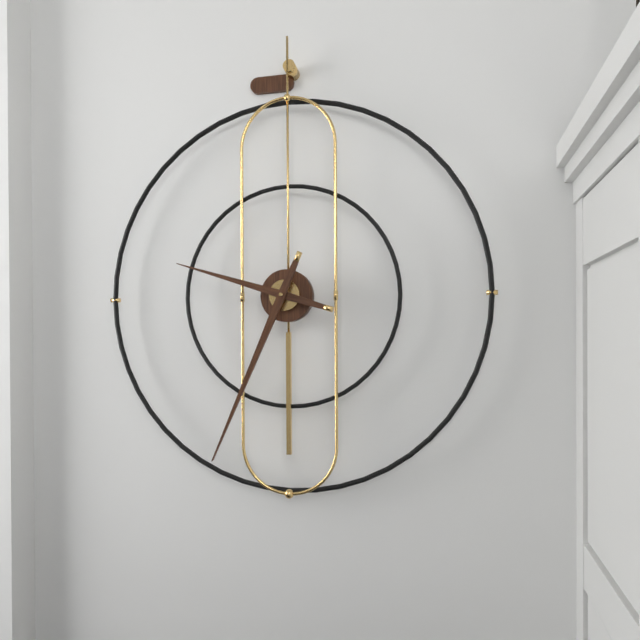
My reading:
9h34
